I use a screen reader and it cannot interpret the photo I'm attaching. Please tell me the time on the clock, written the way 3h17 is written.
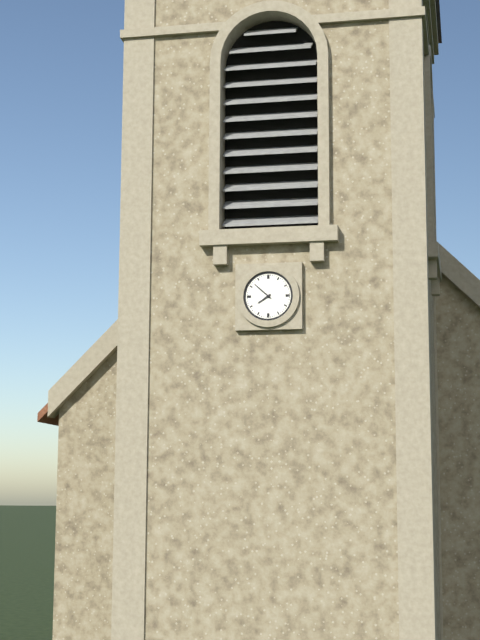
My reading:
7h52
